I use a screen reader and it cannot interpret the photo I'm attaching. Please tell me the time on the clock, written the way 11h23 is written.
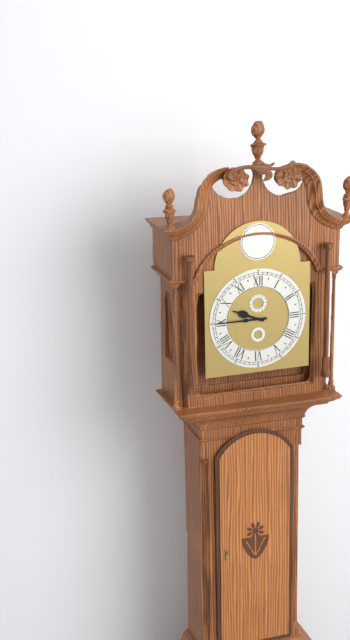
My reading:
9h45
